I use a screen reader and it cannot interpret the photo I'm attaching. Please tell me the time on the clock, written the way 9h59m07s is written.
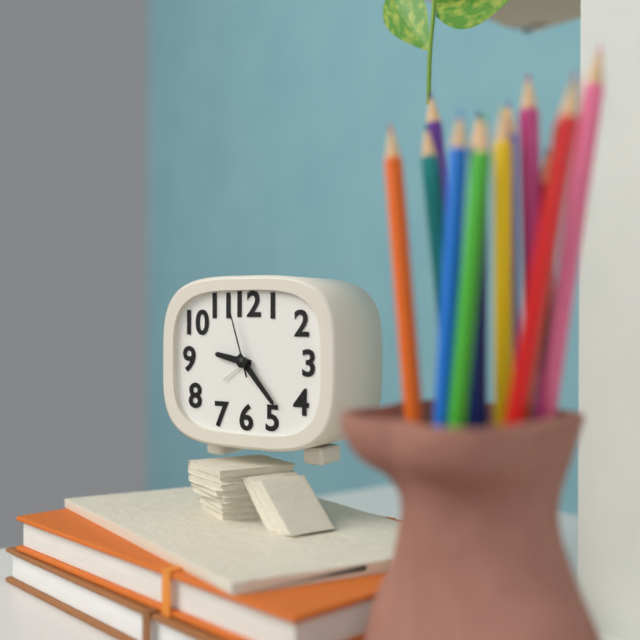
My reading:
9h23m57s
